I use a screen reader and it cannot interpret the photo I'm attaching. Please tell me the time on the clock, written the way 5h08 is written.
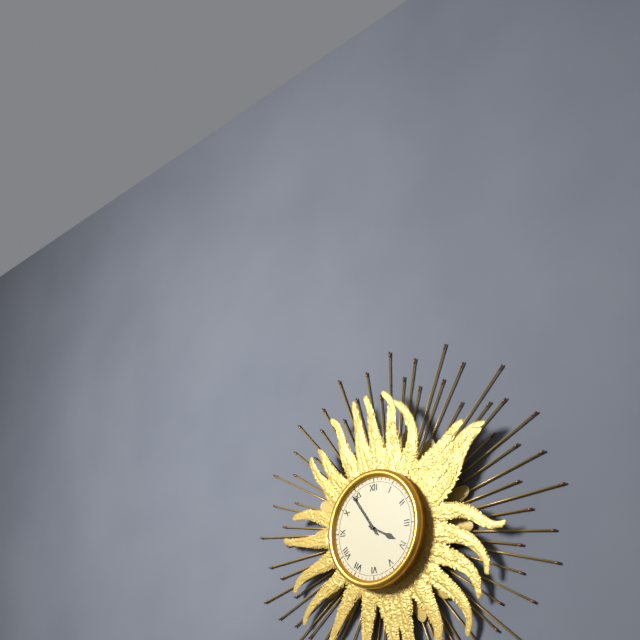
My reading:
3h54
